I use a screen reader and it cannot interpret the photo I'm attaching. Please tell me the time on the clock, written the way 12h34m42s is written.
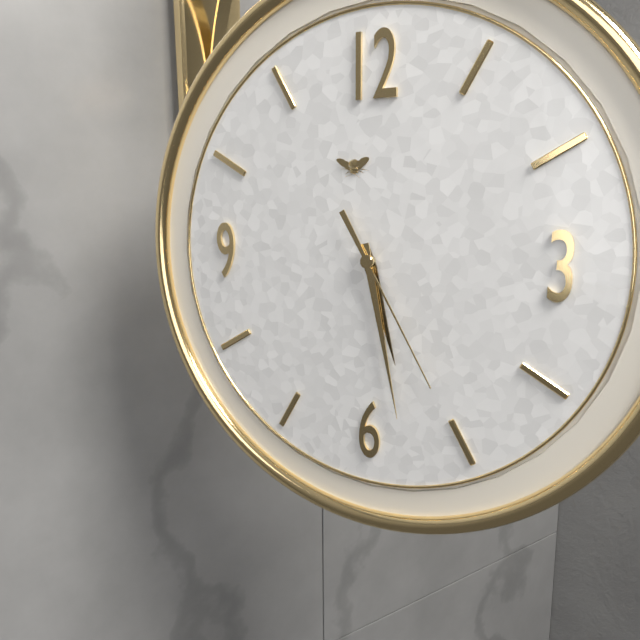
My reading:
5h28m25s
